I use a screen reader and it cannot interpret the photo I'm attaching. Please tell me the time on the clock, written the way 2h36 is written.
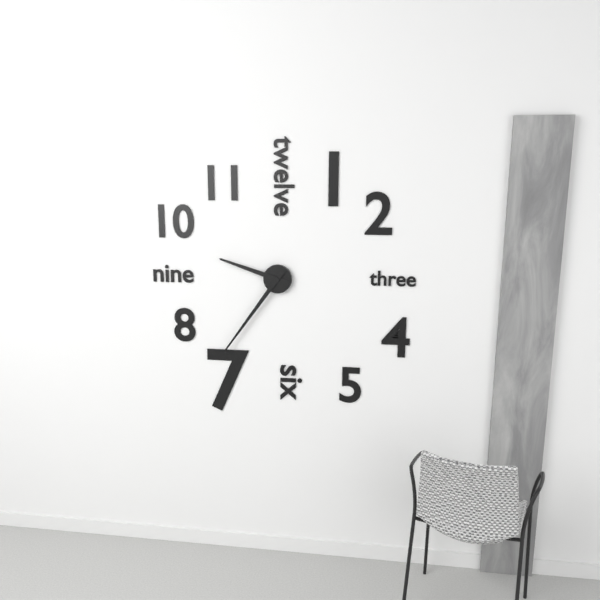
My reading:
9h36
